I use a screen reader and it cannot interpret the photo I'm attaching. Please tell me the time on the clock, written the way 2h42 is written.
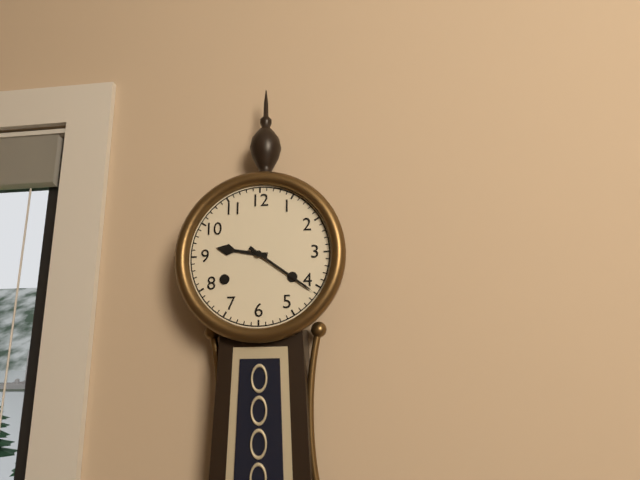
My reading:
9h21
